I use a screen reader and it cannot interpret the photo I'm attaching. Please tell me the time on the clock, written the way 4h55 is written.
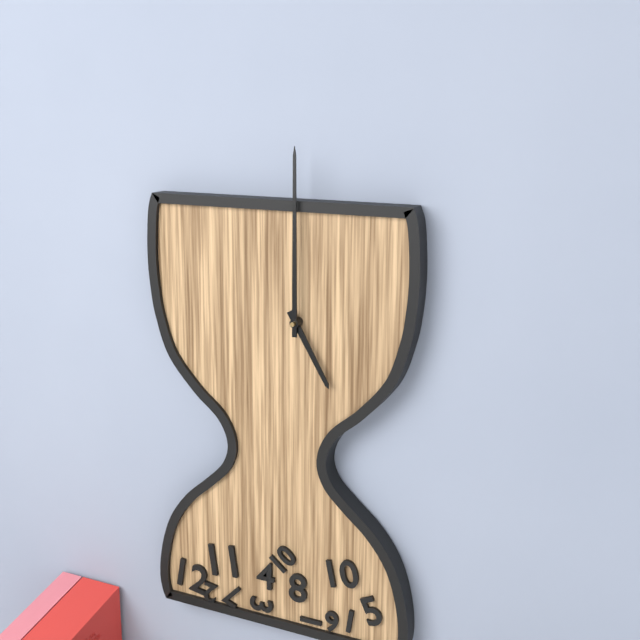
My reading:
5h00
